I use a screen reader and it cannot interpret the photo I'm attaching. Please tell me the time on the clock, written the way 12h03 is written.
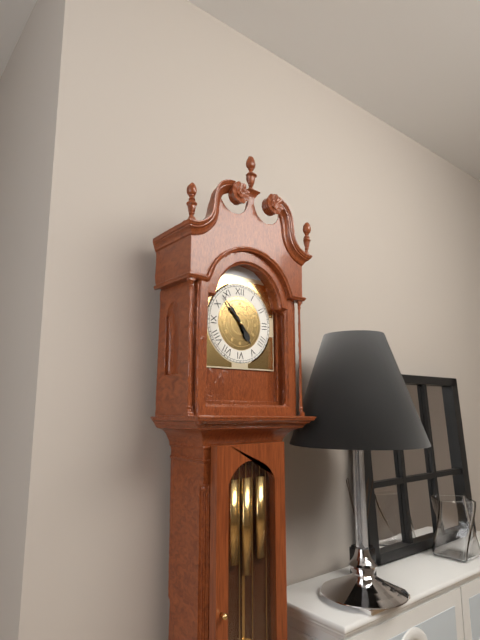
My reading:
4h53
